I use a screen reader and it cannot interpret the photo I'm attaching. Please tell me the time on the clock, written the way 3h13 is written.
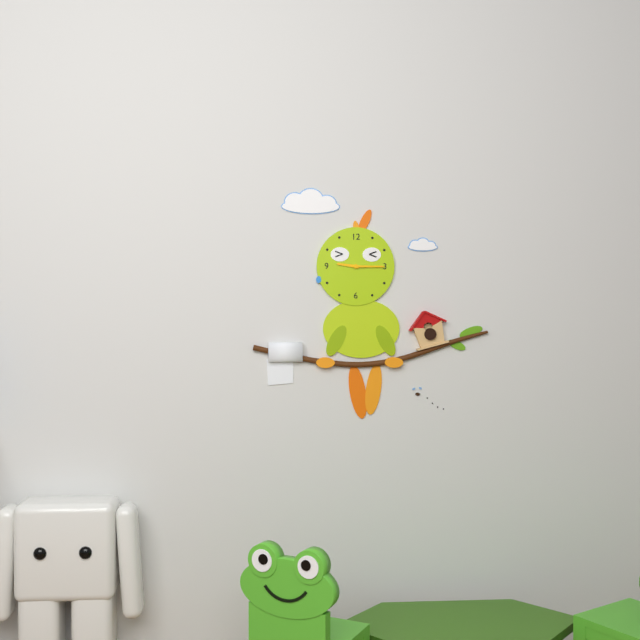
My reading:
9h15
